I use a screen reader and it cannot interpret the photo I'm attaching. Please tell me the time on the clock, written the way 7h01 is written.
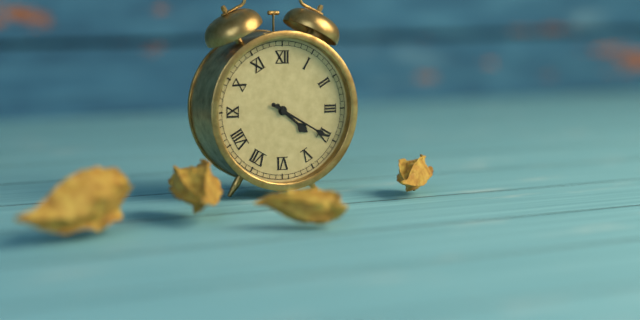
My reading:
4h20
